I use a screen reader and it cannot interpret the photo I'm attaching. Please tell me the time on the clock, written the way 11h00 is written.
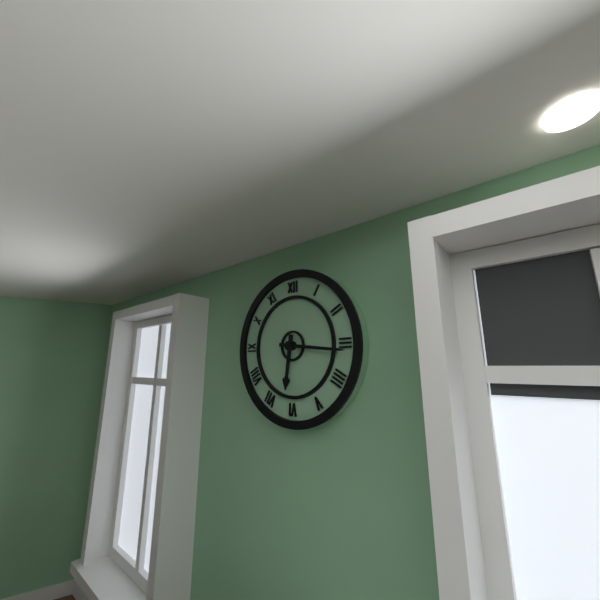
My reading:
6h16
